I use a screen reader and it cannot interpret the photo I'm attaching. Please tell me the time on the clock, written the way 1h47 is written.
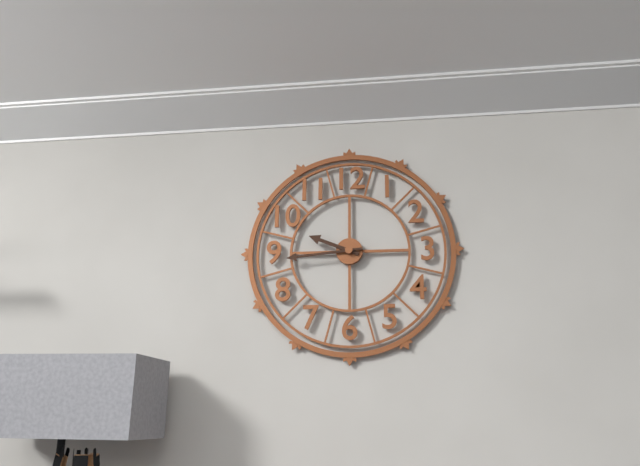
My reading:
9h44
